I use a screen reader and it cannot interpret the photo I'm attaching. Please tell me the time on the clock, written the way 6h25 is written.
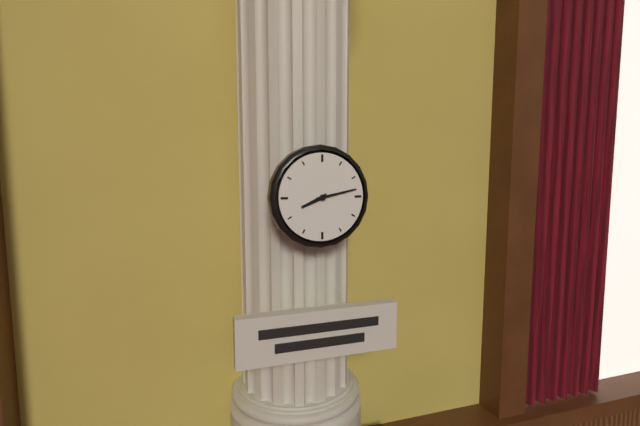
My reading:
8h13
